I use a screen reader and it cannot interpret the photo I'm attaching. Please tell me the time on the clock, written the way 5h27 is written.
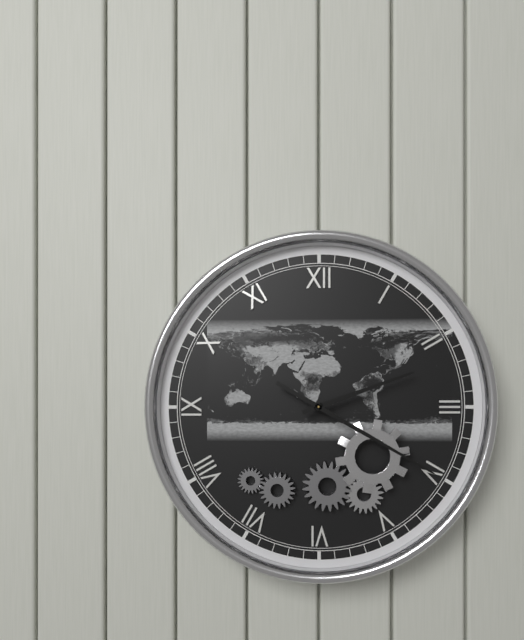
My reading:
2h20
